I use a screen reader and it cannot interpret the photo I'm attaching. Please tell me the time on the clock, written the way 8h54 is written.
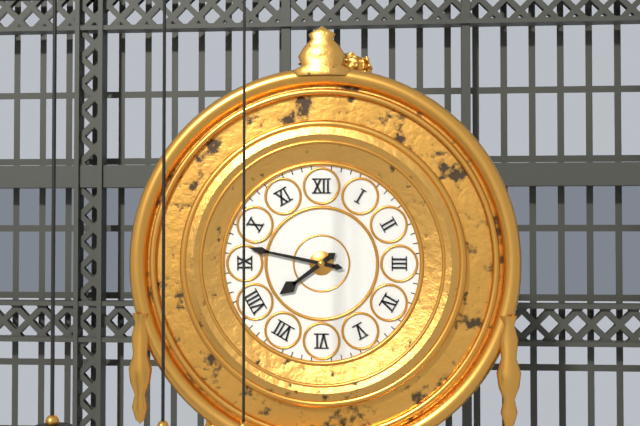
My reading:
7h47
